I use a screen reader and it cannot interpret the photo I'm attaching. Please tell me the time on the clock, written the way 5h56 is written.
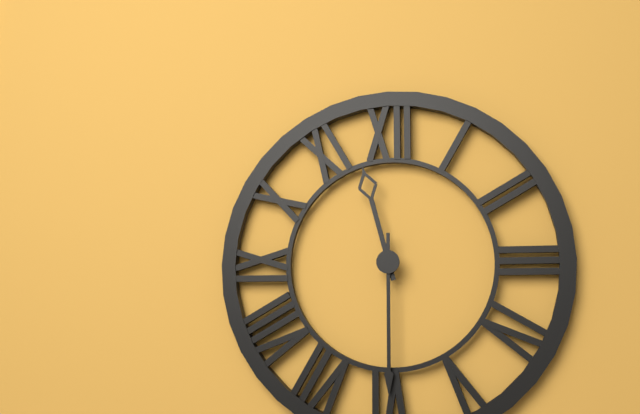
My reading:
11h30
